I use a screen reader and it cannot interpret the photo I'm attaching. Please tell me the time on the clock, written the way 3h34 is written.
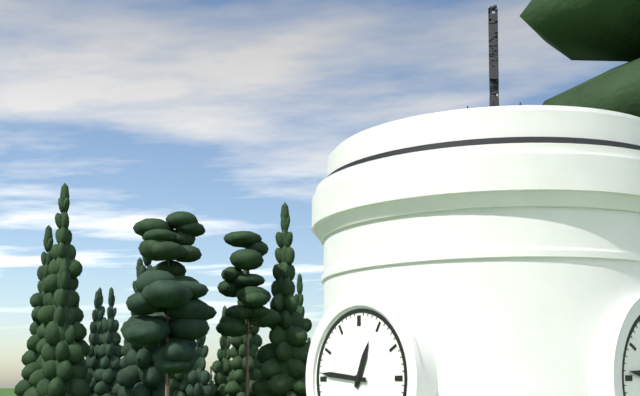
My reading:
12h46
